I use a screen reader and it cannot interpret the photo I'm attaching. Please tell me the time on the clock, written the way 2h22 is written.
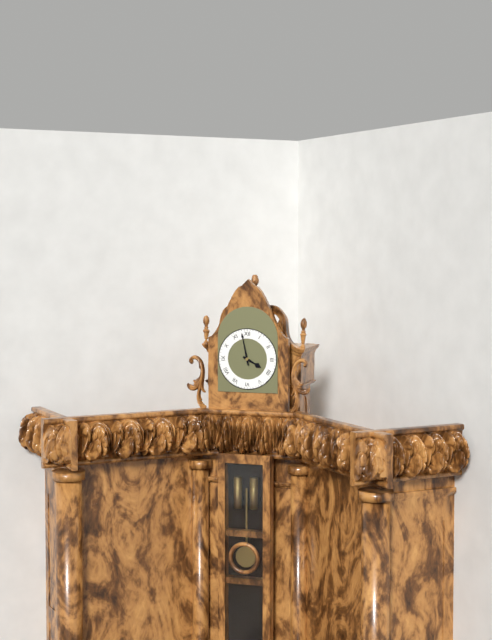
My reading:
3h58
